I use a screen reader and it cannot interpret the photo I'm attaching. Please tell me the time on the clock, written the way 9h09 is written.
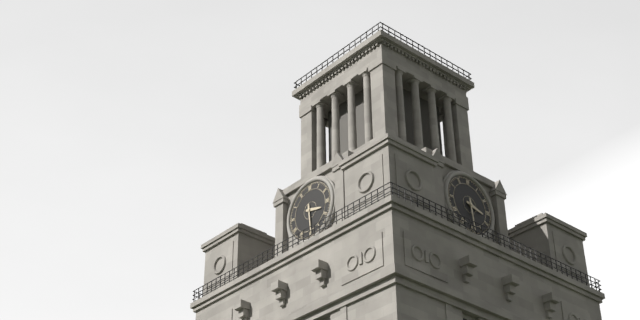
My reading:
3h29
